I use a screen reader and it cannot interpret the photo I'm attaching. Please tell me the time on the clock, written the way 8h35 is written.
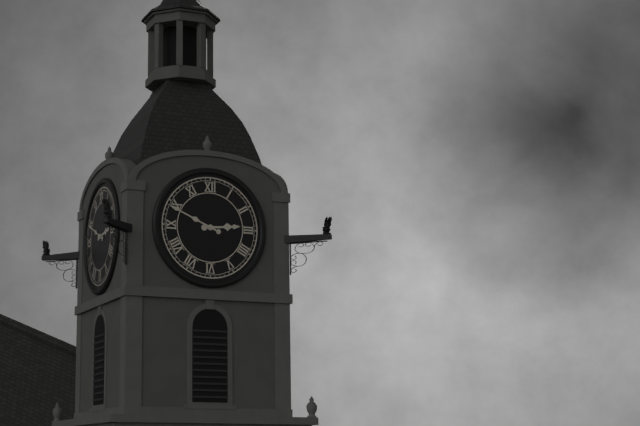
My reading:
2h49
